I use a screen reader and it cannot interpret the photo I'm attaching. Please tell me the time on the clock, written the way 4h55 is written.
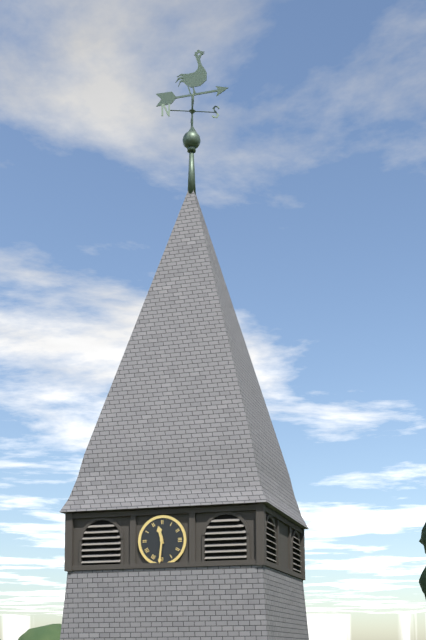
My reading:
11h31
